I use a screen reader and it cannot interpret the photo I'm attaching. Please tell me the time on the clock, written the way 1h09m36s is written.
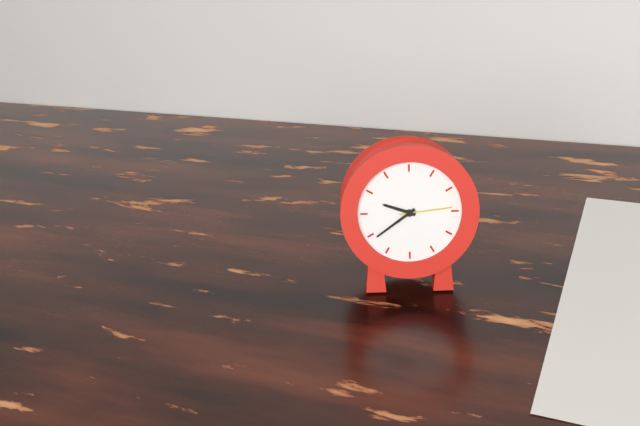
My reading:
9h39m14s
